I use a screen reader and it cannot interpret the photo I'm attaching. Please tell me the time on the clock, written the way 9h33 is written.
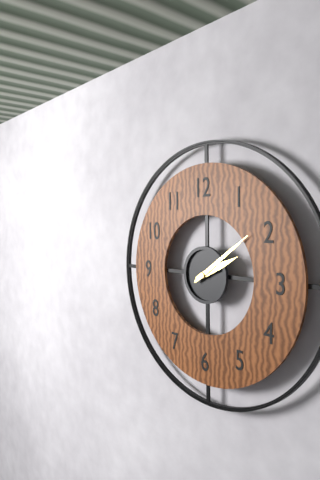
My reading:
2h09
